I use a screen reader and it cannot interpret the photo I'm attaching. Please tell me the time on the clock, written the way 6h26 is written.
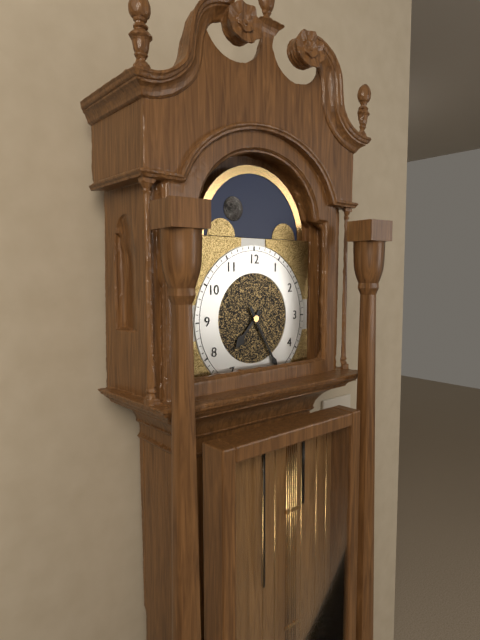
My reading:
7h25
